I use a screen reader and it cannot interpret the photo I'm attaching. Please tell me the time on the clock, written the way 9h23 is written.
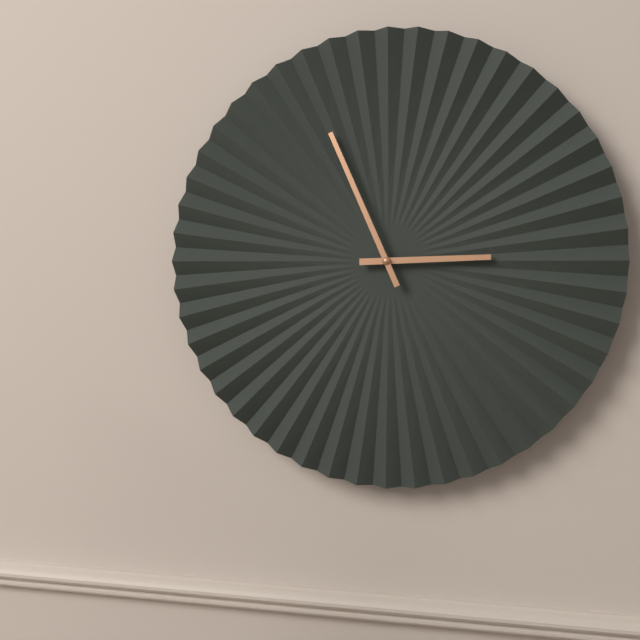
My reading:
2h56
